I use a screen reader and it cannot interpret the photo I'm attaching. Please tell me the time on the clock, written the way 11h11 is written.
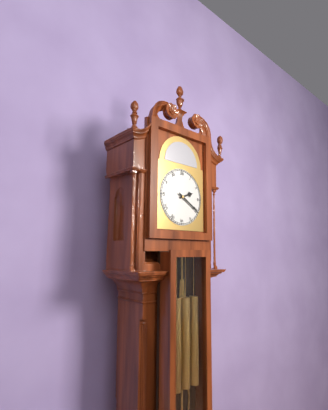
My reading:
2h20
